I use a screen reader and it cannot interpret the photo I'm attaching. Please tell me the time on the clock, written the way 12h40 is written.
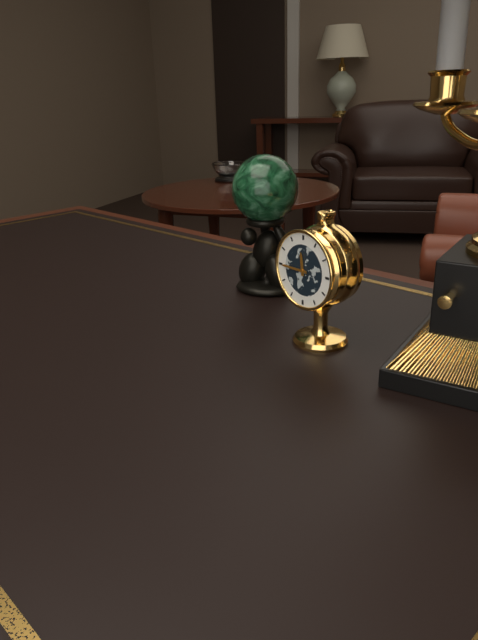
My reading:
11h45
